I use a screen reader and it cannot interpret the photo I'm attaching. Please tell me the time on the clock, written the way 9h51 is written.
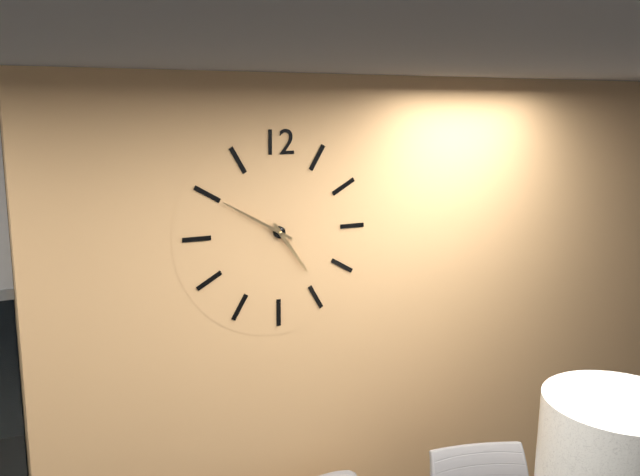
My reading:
4h50
